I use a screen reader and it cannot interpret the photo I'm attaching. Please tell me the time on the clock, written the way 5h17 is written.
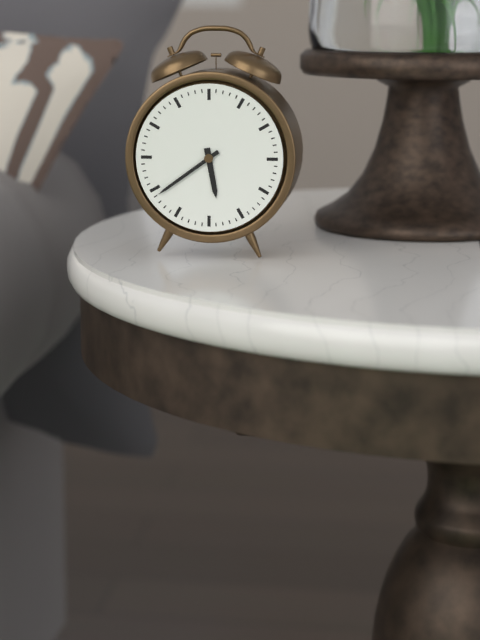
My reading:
5h39
